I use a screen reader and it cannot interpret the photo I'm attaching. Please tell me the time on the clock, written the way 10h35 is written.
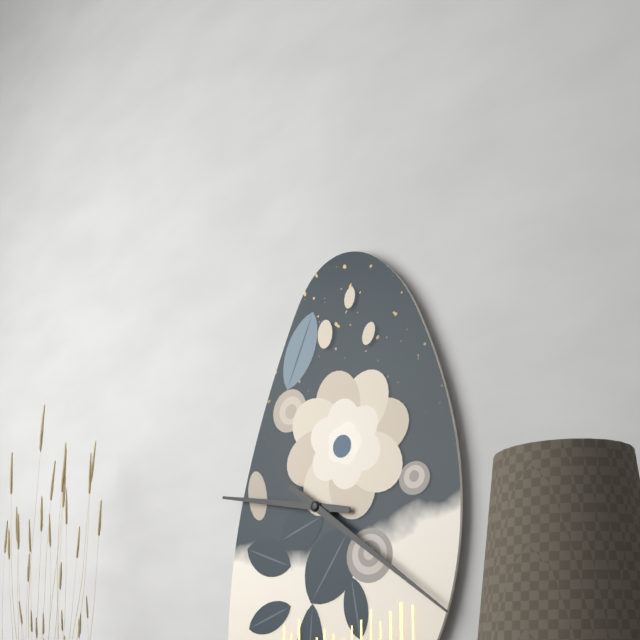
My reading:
9h21
